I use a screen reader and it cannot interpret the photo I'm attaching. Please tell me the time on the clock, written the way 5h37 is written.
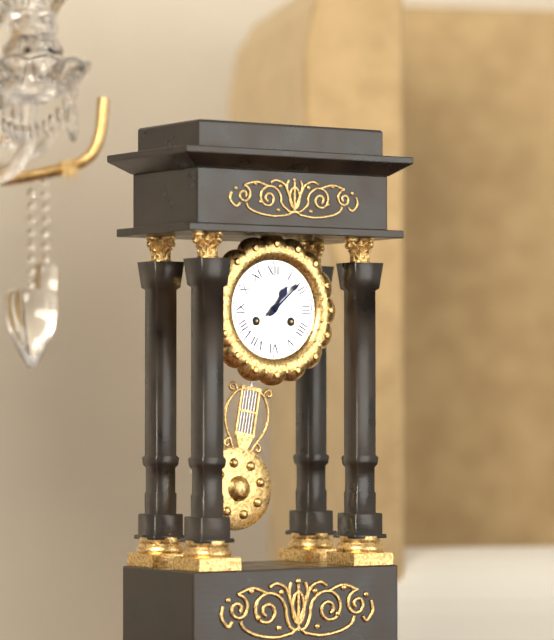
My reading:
1h08
